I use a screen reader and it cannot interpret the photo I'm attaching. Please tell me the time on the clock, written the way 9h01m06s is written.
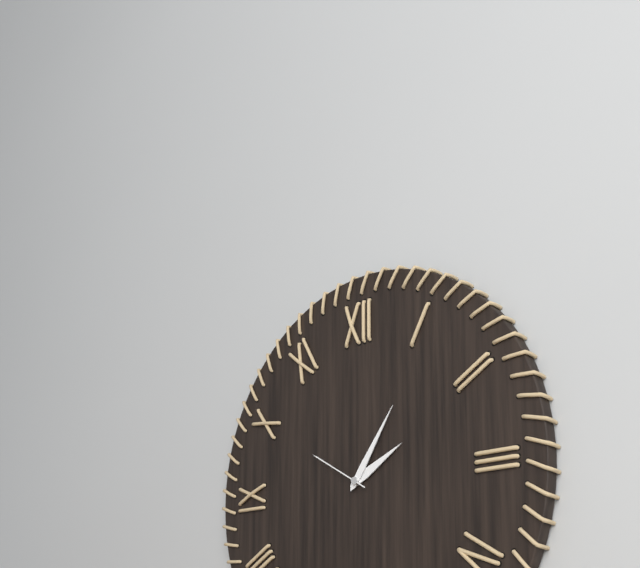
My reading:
2h06m50s
